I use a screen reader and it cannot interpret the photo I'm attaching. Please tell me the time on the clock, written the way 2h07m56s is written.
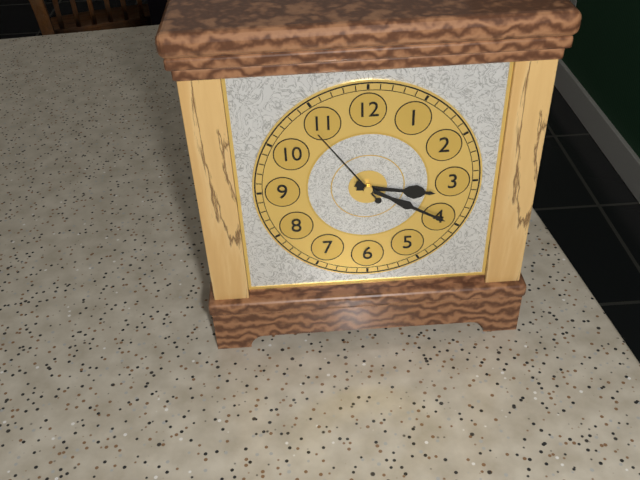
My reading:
3h20m54s
